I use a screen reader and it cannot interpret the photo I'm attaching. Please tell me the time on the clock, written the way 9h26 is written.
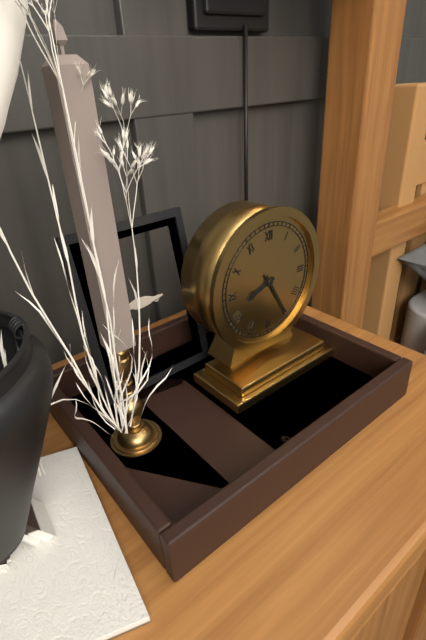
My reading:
8h25
